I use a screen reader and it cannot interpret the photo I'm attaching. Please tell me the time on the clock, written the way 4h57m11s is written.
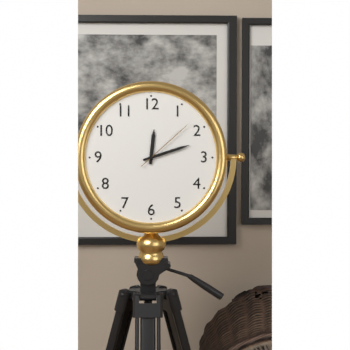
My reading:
12h12m08s
